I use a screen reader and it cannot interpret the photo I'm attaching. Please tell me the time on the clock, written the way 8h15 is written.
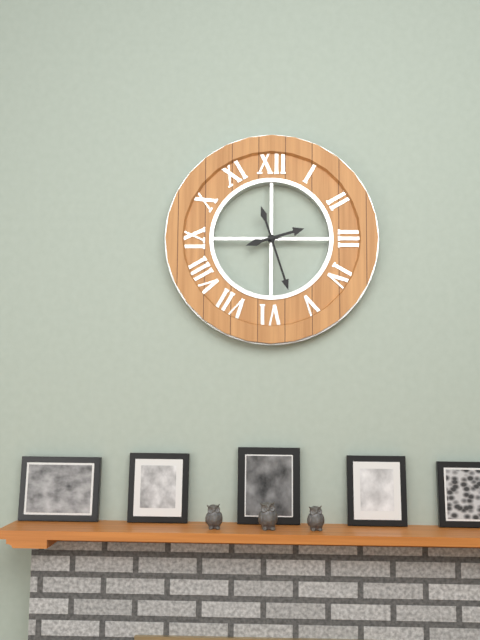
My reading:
2h27
